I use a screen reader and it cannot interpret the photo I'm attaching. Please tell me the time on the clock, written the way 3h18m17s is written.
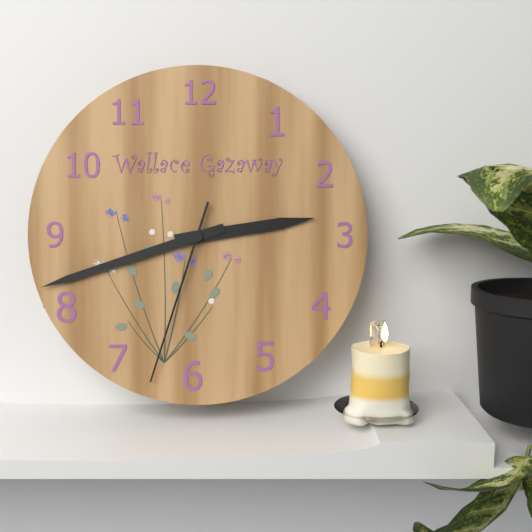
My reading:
2h42m33s
